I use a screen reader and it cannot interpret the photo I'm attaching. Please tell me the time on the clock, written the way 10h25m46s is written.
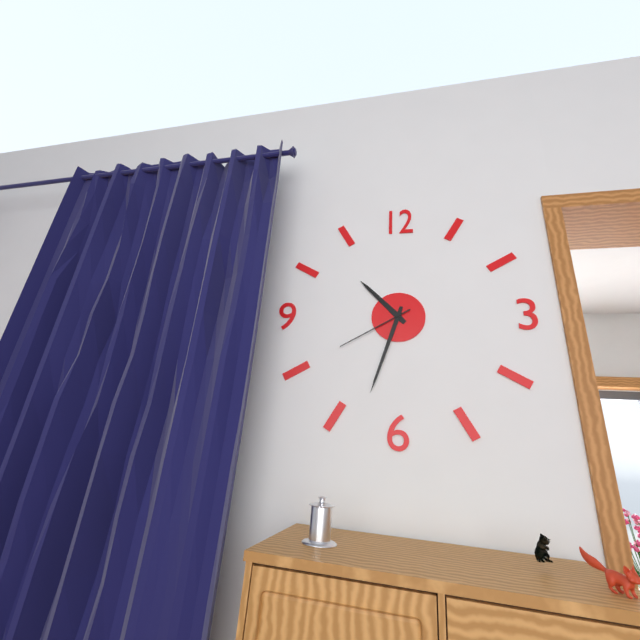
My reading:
10h33m40s
